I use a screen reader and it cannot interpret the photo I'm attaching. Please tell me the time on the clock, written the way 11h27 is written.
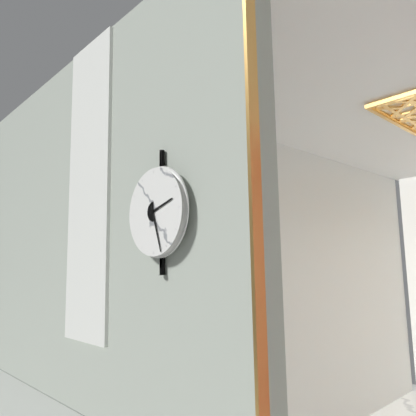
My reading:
2h27
